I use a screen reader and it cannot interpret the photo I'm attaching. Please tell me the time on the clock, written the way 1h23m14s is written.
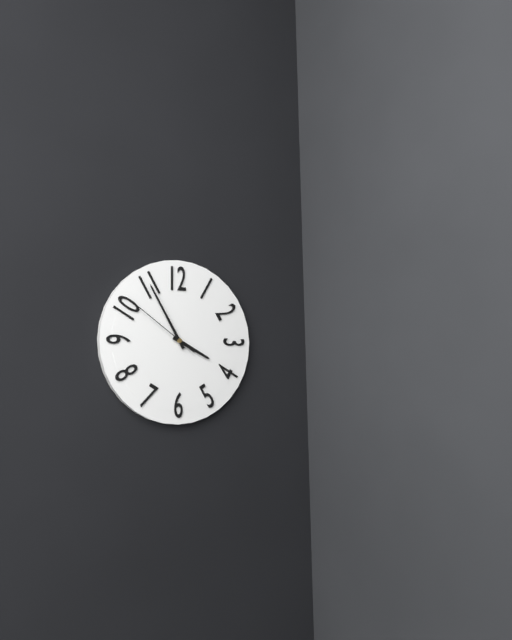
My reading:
3h55m51s
